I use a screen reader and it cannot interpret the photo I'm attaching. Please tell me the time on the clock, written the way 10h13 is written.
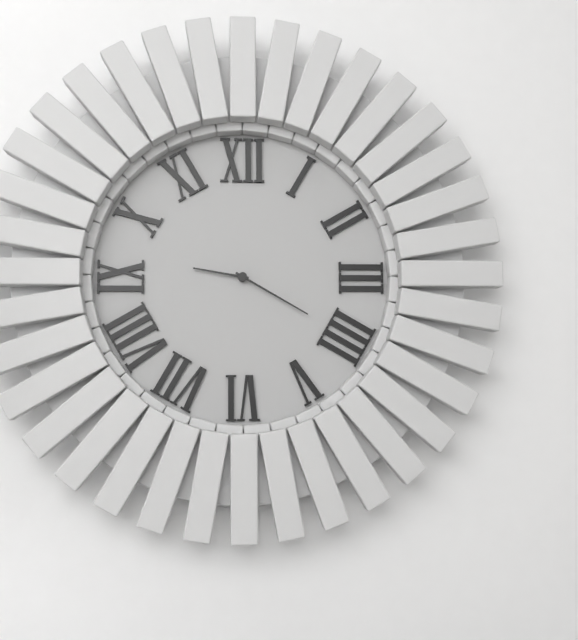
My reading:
9h20
